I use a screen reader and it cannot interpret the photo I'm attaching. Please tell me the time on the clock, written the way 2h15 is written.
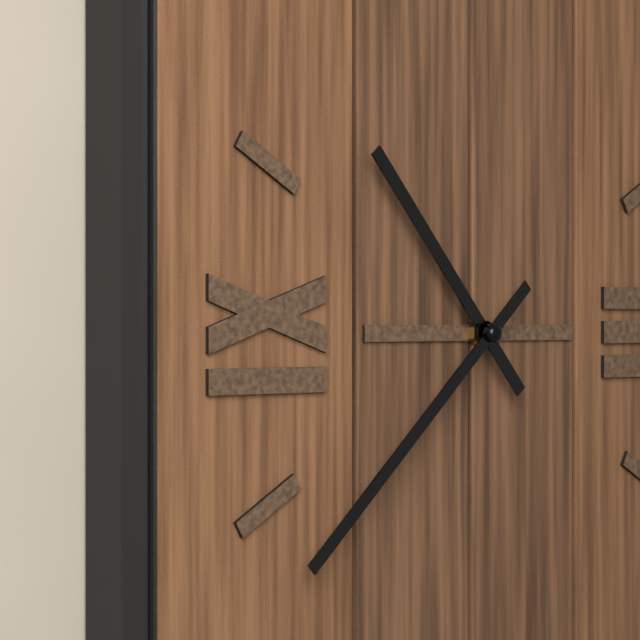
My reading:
10h38
